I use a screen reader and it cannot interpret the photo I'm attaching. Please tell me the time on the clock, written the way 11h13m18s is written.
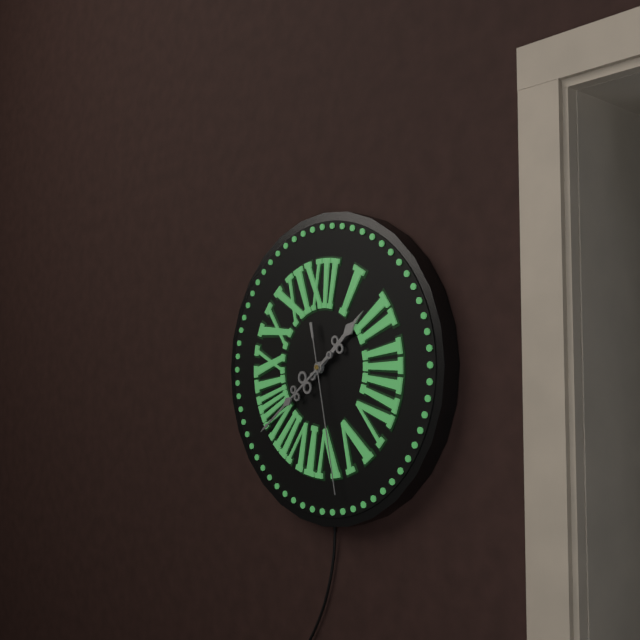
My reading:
1h39m28s
